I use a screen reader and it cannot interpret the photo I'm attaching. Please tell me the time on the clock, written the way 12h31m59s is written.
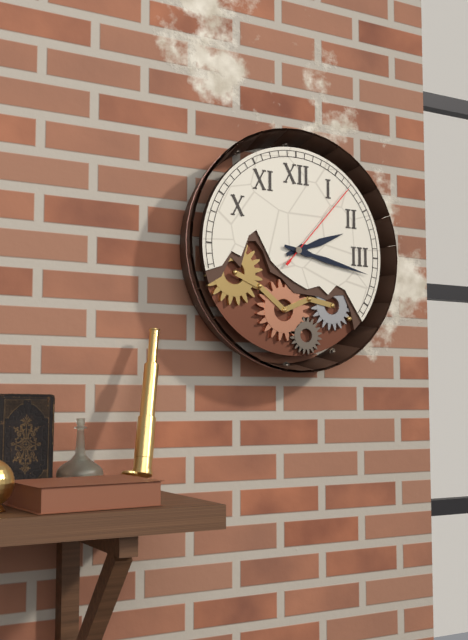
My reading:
2h17m07s
